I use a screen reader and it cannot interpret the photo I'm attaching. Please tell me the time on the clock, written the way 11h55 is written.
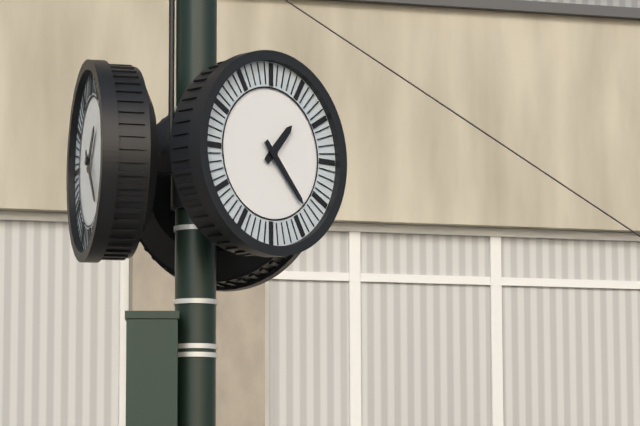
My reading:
1h23
